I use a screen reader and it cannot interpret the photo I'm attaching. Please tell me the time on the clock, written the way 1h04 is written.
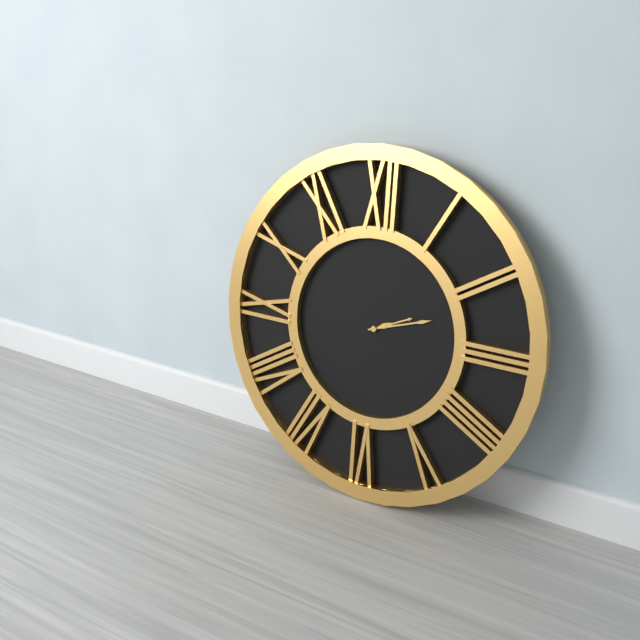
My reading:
2h12
